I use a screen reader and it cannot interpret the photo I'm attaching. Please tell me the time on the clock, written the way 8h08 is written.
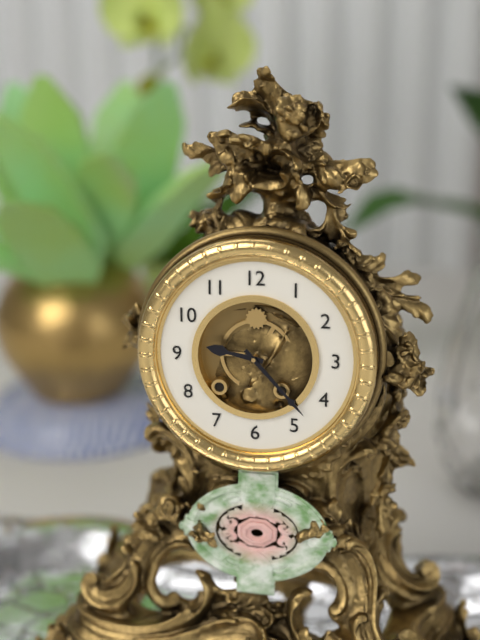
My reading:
9h23
